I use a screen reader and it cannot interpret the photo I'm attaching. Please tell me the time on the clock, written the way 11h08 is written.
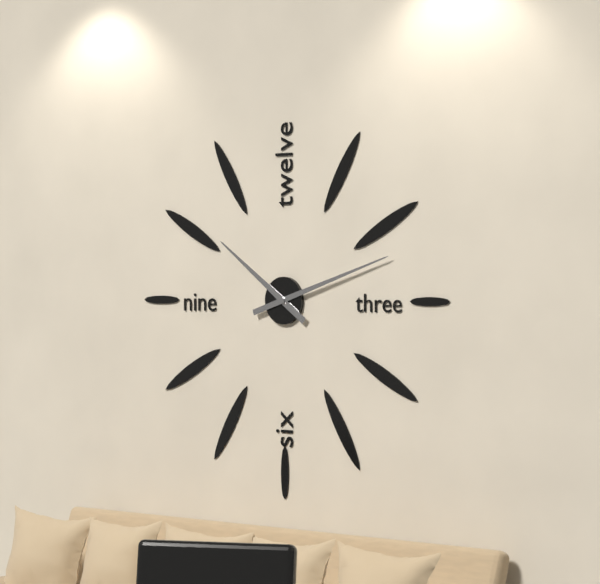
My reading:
10h12
